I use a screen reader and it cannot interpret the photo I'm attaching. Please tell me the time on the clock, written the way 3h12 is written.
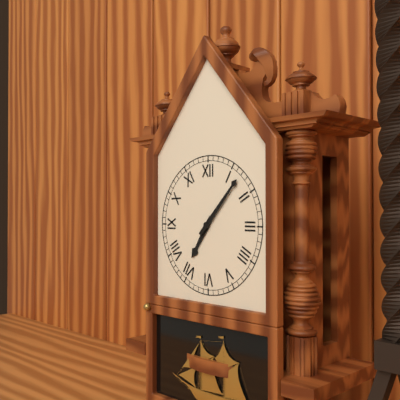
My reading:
7h07
